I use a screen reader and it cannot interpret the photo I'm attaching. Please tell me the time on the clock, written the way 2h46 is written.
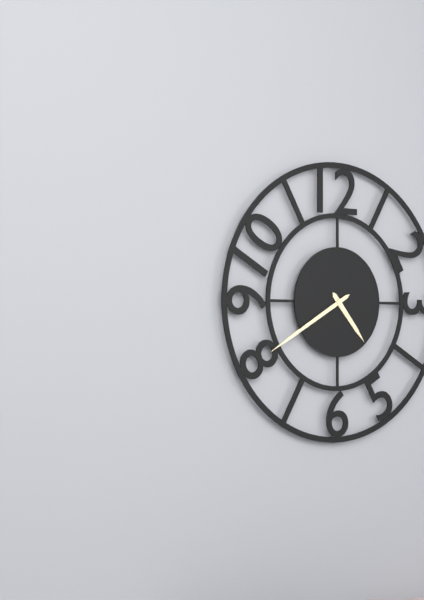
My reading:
4h40
